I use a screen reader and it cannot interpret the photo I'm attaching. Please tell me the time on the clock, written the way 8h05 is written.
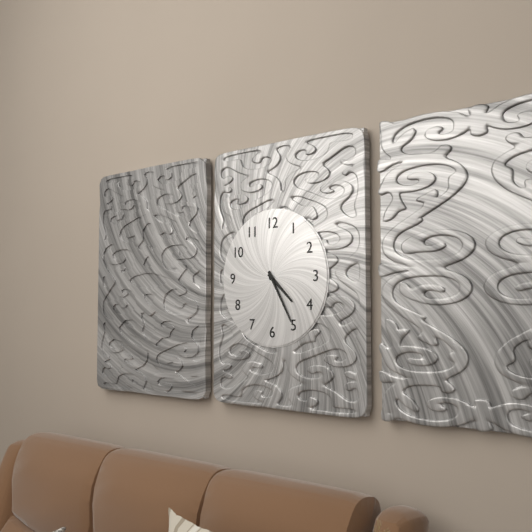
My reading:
4h25
